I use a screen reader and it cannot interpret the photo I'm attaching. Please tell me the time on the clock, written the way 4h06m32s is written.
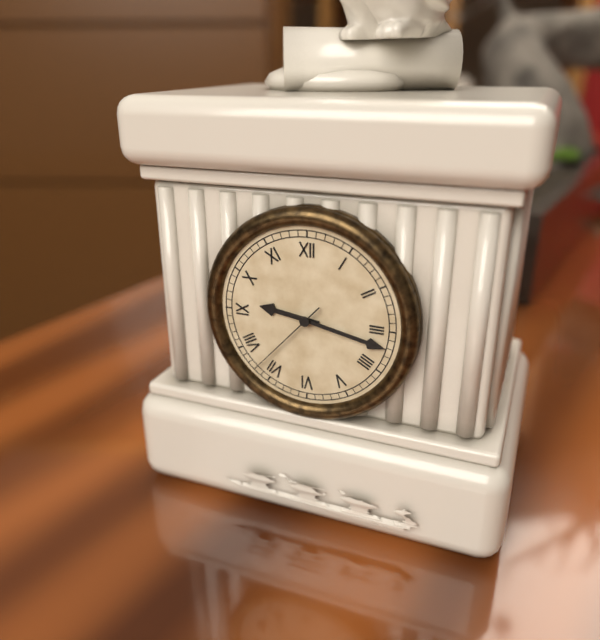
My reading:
9h17m37s
